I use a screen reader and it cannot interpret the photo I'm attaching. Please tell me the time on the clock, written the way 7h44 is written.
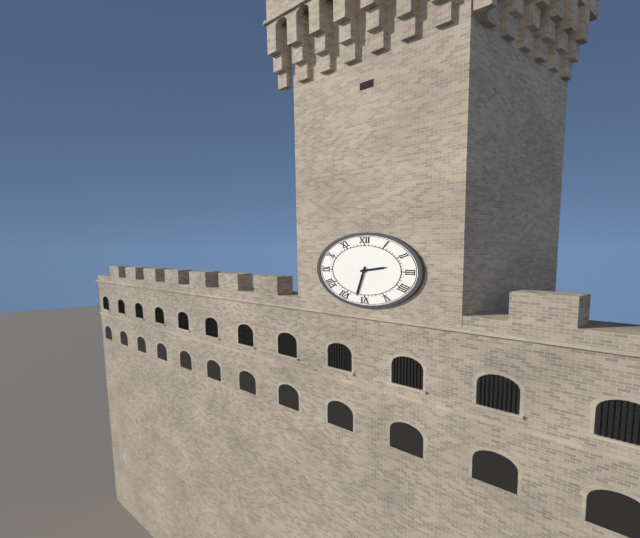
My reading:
2h32
